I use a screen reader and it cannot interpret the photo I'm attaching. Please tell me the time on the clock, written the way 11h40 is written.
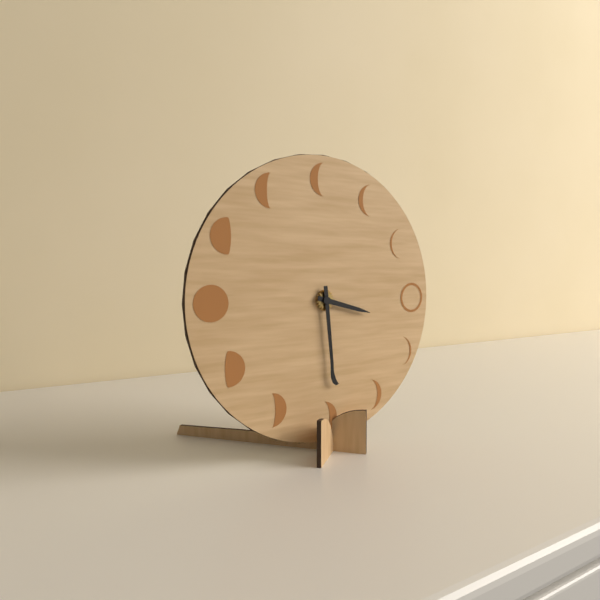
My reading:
3h29
